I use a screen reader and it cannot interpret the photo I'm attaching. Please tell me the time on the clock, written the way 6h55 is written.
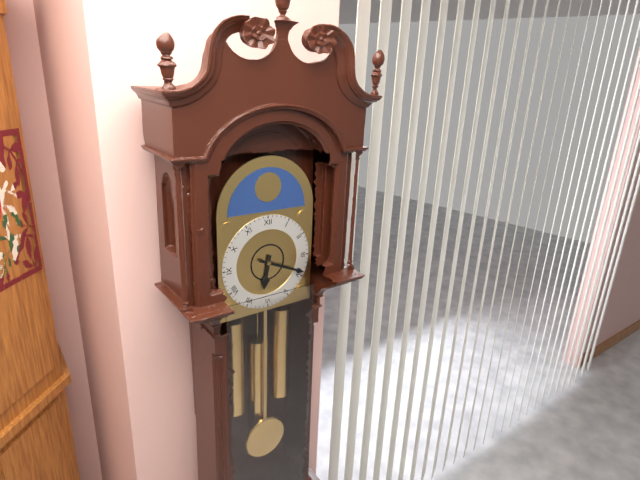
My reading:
6h19
